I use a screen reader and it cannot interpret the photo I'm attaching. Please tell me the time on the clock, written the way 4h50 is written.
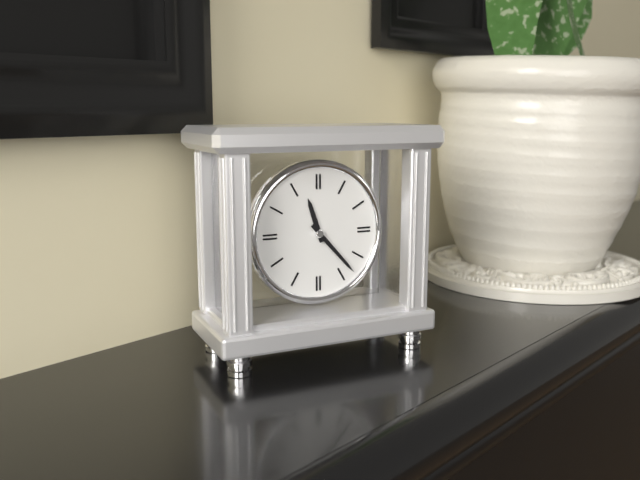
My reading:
11h23
